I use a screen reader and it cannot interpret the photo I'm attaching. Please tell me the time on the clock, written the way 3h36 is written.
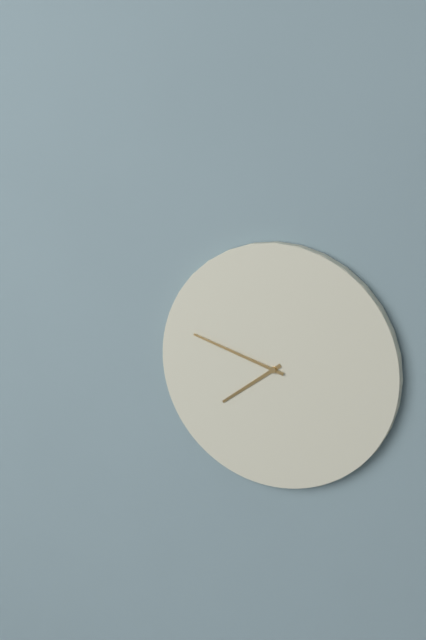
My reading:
7h48
